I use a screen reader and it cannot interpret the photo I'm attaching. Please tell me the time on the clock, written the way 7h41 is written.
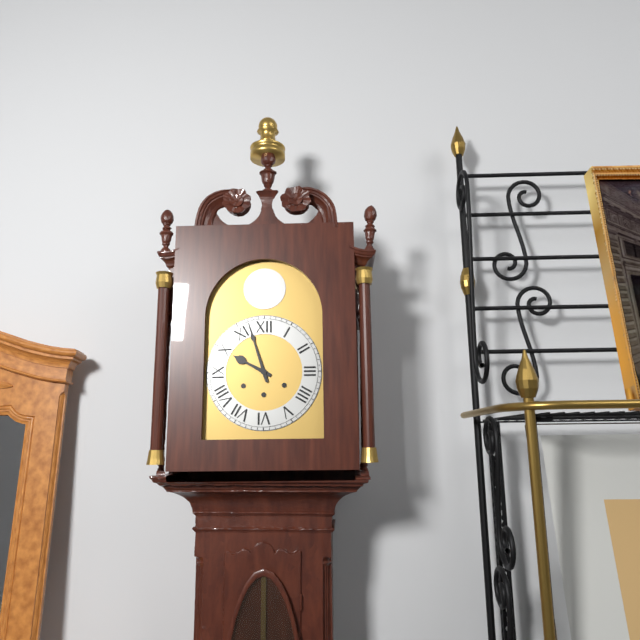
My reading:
9h57
